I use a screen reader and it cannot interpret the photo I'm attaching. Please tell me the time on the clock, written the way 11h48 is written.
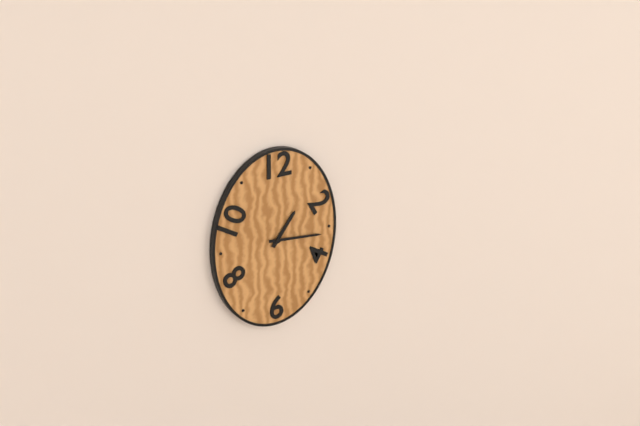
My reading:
1h16
